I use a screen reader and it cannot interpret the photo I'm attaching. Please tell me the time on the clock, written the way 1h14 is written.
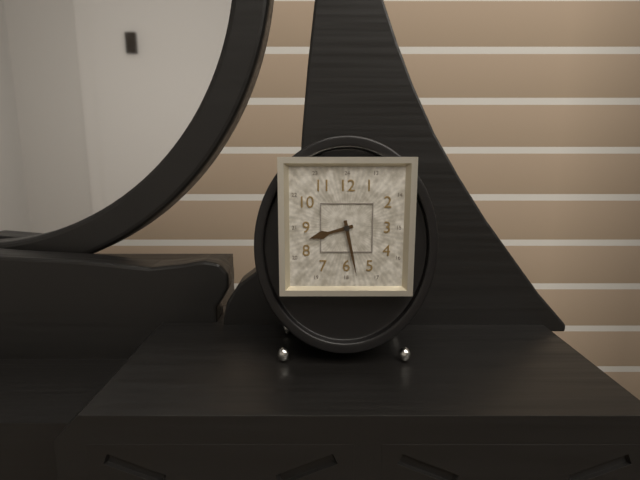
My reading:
8h28
